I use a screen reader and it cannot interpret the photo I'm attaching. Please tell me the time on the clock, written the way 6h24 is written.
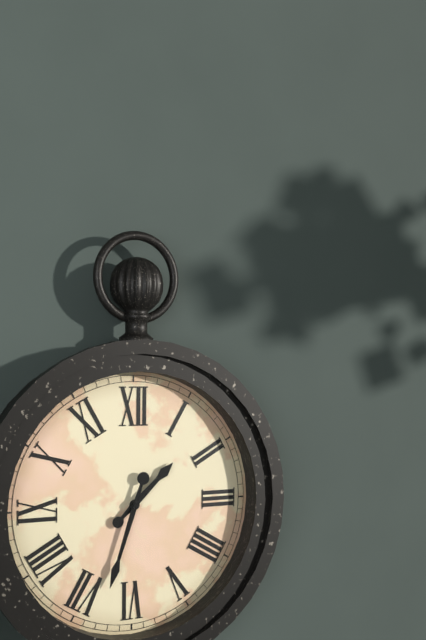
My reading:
1h33
